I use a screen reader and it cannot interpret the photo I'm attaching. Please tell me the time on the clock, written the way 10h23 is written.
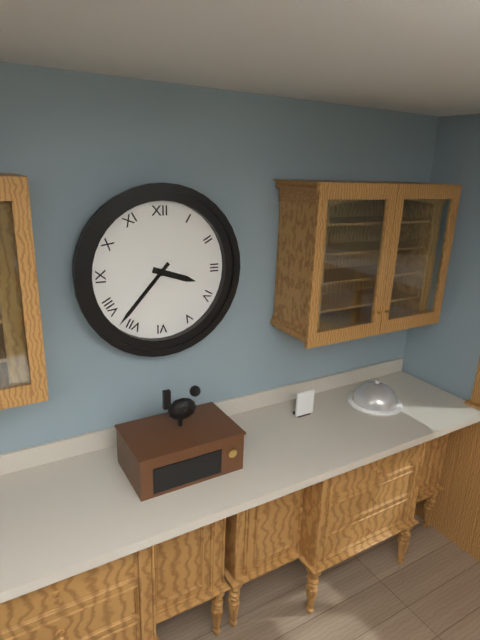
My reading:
3h37
